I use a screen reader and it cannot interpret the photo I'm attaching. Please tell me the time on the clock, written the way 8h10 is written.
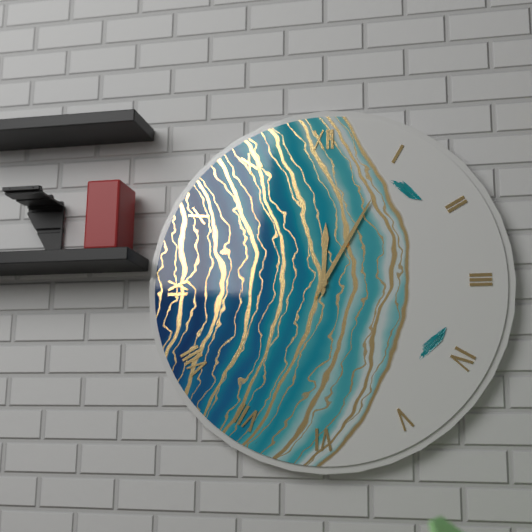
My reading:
12h05
